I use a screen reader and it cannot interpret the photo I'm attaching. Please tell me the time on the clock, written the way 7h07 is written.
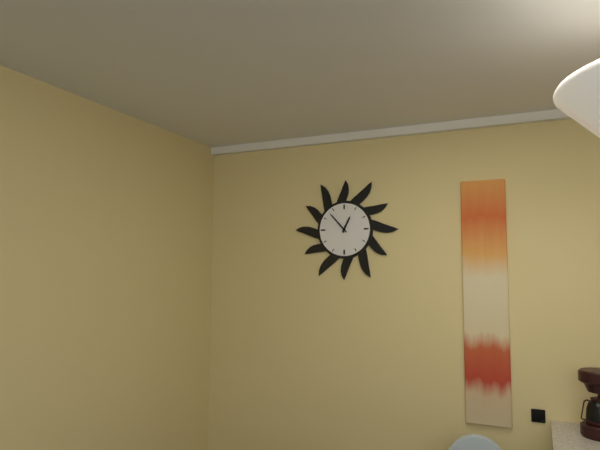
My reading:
12h53
